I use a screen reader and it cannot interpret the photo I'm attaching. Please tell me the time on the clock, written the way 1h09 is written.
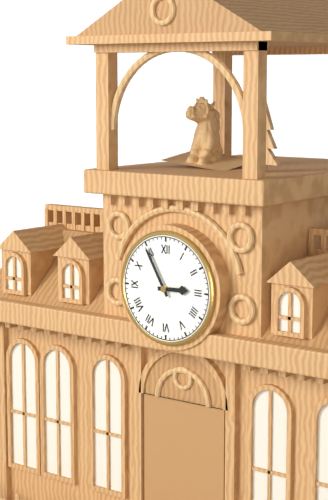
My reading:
2h55
